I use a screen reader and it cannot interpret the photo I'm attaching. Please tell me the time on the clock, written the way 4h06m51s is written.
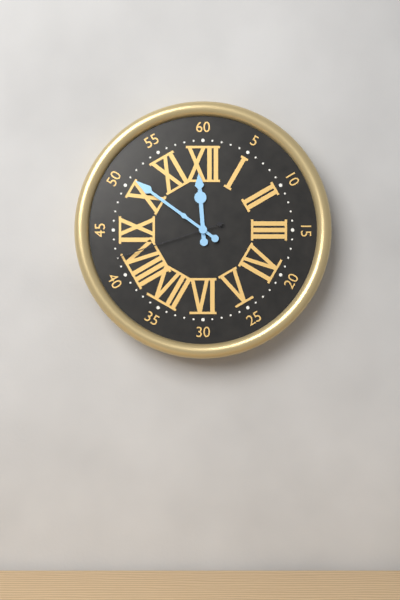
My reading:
11h51m42s
